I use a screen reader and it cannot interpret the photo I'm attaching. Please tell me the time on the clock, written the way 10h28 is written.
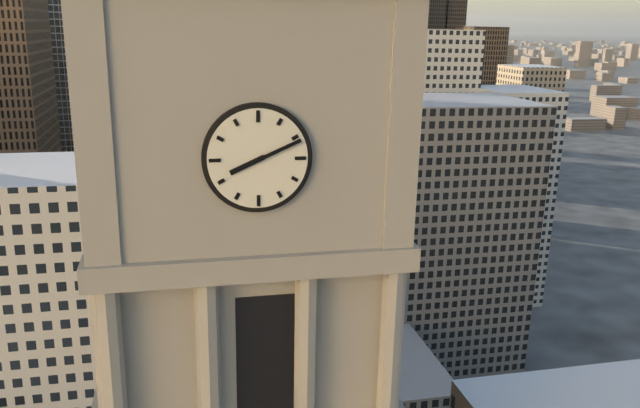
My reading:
8h11
